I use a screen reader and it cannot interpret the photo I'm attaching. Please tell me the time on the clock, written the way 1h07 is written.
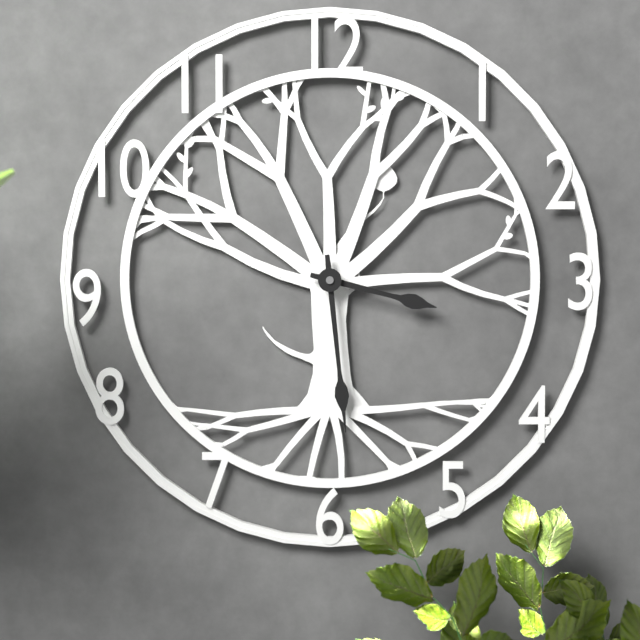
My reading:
3h29
